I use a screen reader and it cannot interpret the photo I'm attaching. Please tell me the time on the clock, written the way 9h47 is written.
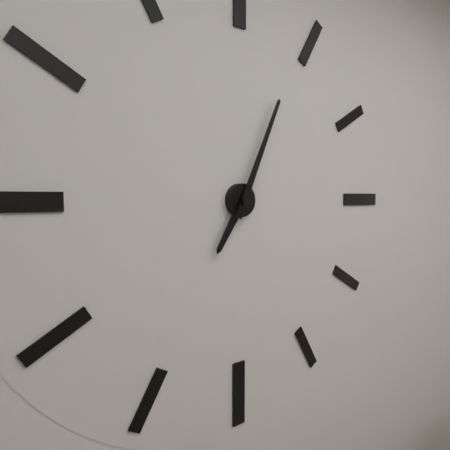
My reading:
7h04
